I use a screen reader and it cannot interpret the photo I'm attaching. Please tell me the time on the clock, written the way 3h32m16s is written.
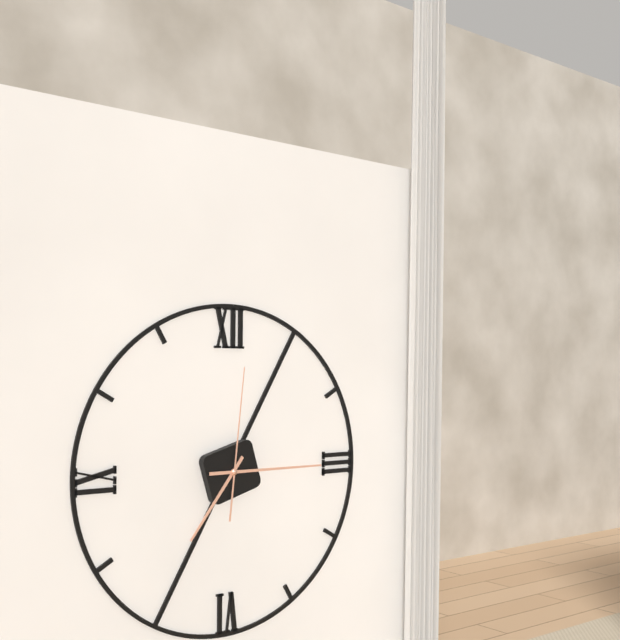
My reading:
7h15m01s
